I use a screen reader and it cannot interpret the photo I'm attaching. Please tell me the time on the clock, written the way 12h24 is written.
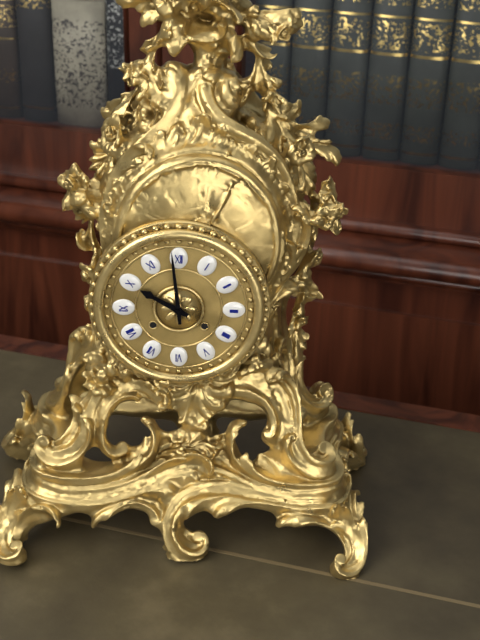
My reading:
9h59
